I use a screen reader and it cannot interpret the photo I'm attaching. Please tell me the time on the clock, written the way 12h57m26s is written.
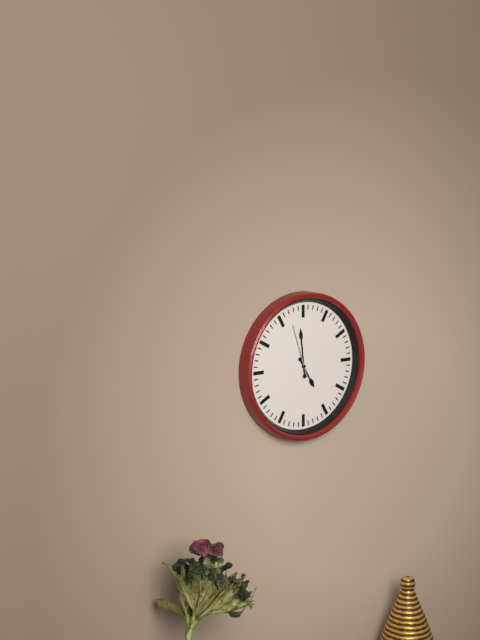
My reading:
4h59m57s
